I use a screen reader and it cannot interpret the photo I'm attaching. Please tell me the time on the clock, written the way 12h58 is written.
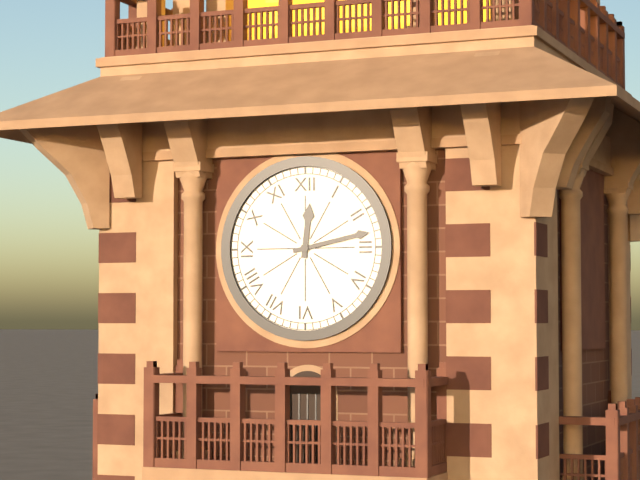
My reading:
12h13
